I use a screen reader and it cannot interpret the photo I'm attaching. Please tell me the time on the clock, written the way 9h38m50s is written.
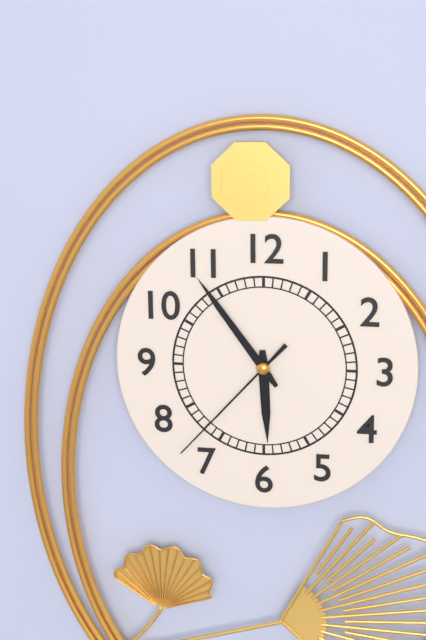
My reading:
5h54m37s
